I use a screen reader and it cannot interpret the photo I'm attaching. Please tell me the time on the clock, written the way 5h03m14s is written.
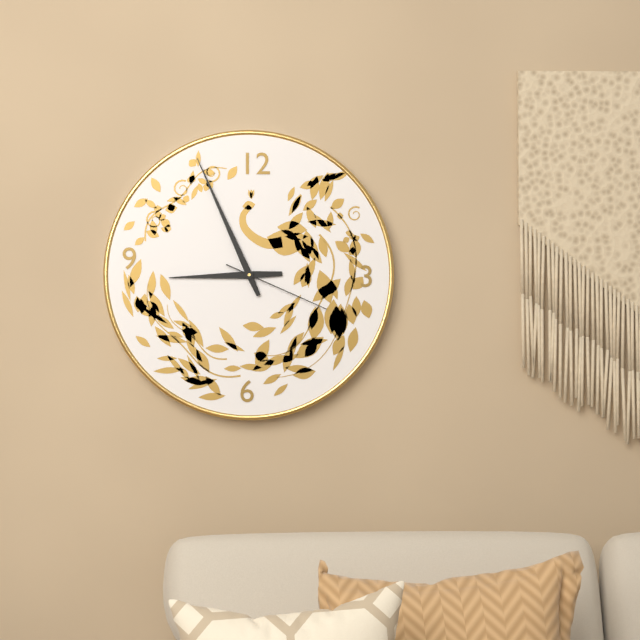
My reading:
8h56m19s
